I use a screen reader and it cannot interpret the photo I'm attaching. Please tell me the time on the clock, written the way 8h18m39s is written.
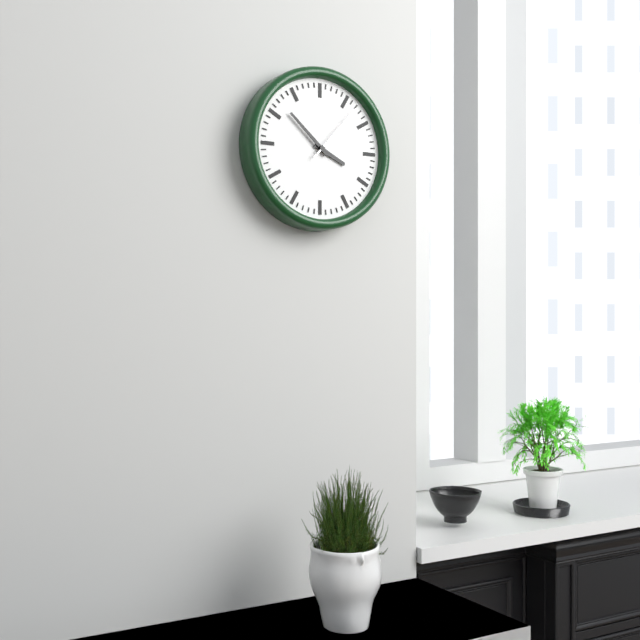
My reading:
3h52m07s
